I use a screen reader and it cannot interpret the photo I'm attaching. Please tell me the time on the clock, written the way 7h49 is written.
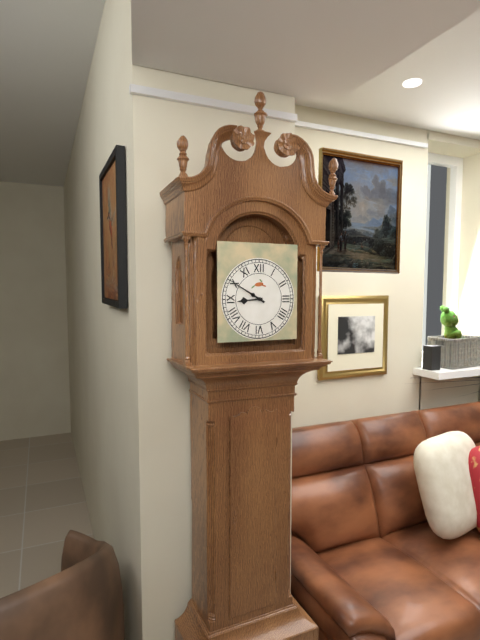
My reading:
8h50
